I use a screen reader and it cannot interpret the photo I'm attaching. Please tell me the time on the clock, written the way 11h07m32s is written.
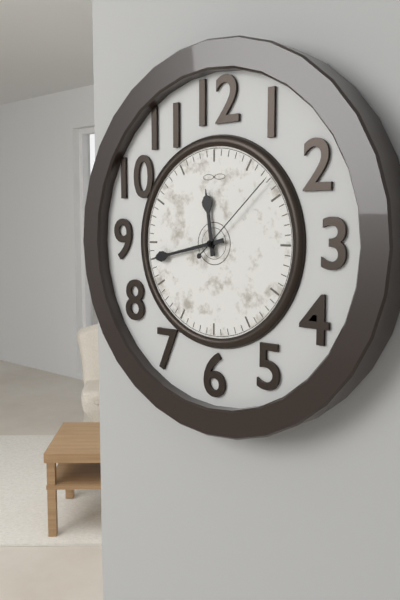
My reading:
11h43m08s
